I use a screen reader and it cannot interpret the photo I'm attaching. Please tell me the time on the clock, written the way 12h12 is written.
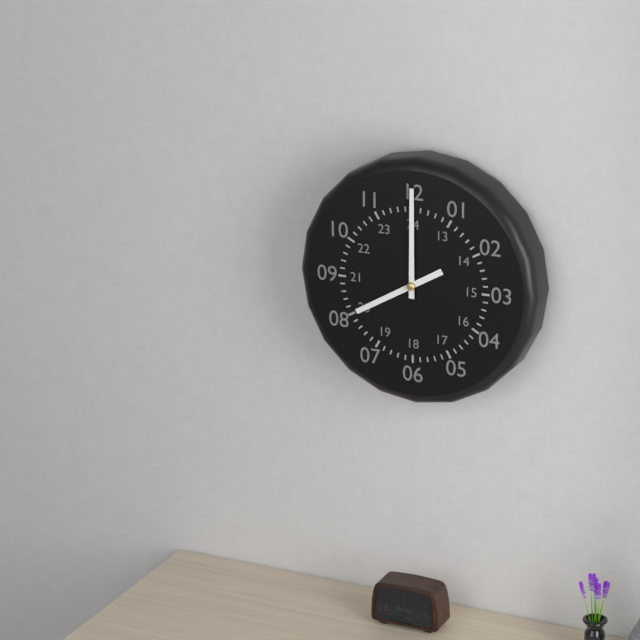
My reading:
8h00
